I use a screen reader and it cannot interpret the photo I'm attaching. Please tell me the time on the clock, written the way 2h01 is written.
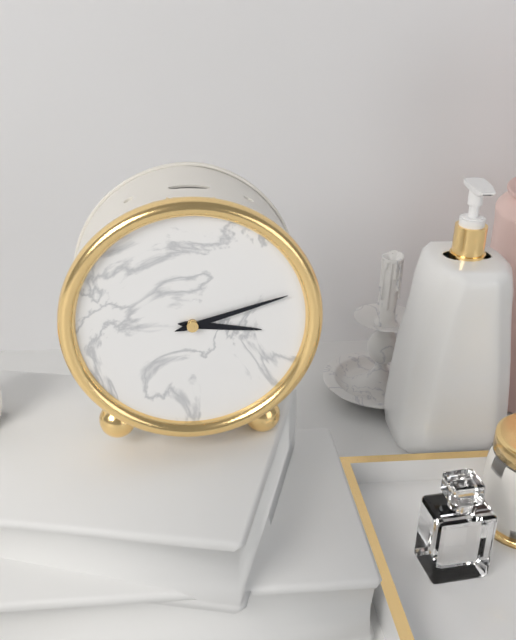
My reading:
3h12
